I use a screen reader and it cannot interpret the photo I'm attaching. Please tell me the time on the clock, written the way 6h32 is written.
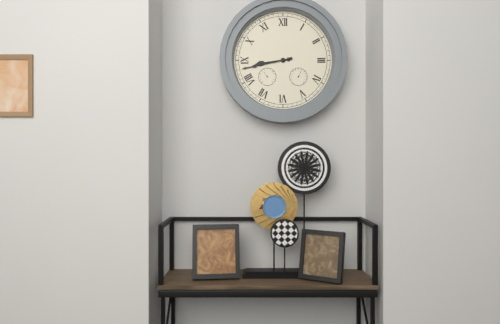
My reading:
8h43
